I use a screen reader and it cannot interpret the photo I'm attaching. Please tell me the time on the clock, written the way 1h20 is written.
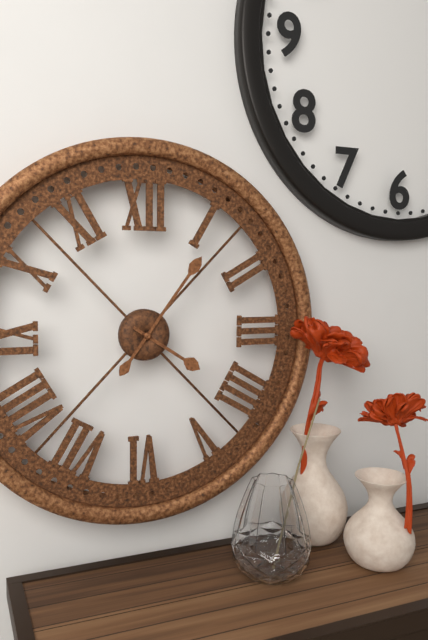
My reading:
4h06
